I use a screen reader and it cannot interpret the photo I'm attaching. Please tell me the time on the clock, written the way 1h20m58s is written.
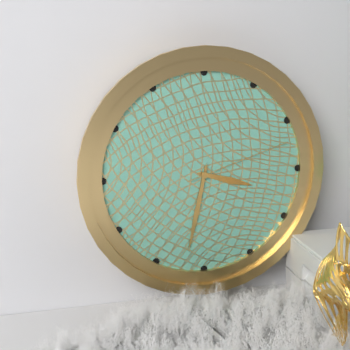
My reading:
3h32m12s
